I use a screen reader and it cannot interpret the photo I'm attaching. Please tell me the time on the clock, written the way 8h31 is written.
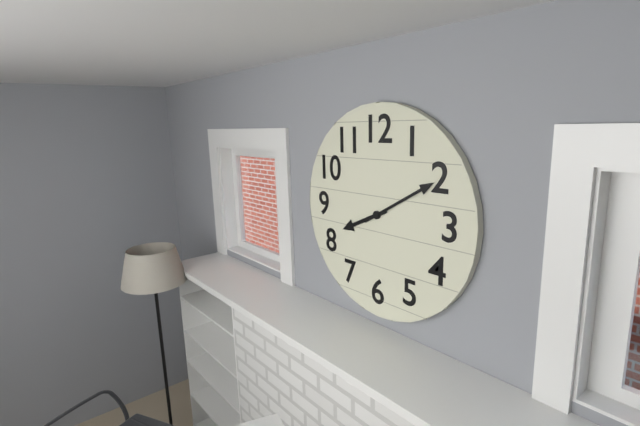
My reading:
8h10
